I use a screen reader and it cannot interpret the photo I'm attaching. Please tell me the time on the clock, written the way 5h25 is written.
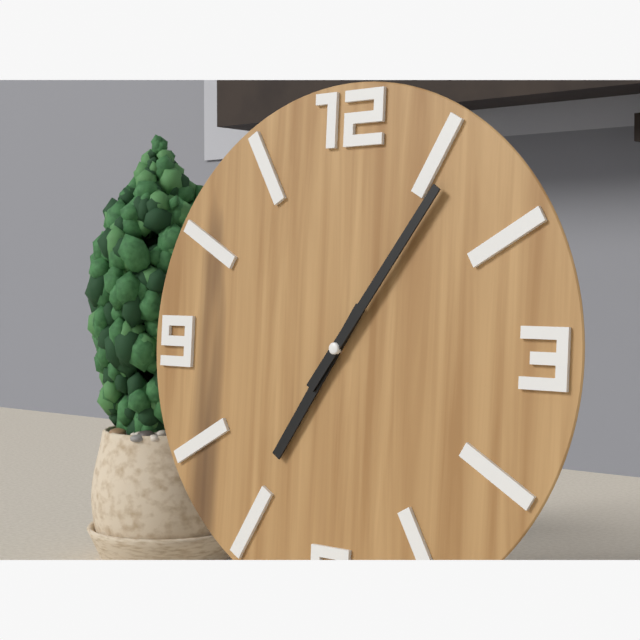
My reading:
7h06
